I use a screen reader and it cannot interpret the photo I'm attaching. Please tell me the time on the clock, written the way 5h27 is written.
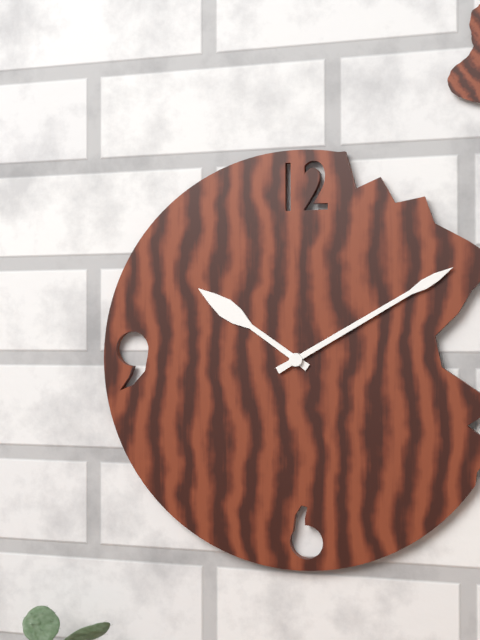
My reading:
10h10
